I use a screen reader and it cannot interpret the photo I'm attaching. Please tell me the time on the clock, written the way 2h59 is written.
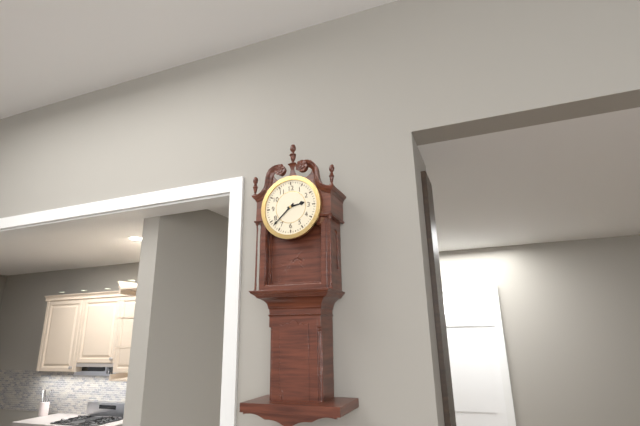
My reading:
2h38
